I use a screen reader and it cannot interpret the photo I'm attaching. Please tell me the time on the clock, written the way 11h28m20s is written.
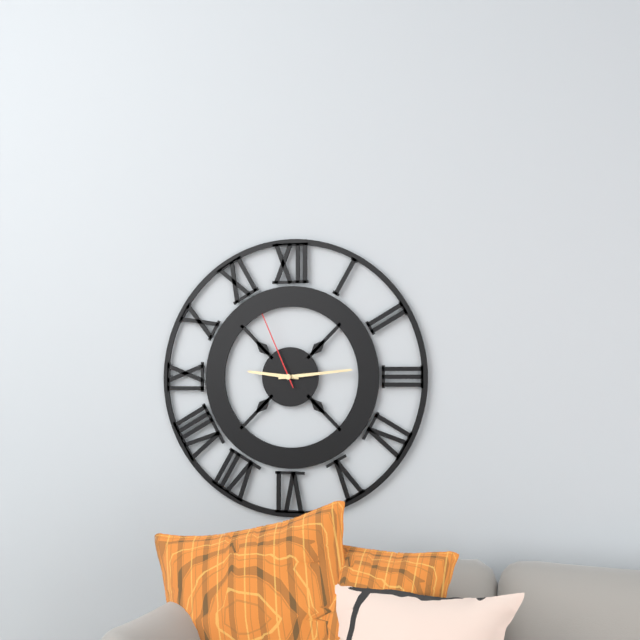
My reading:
9h14m56s
